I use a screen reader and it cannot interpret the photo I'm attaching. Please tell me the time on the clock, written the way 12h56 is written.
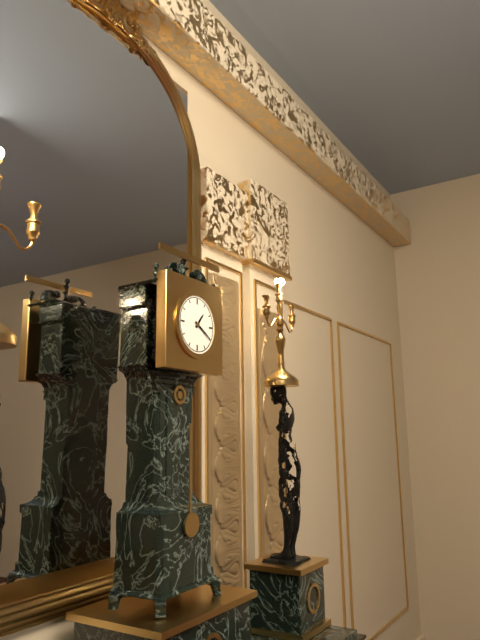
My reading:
1h20
